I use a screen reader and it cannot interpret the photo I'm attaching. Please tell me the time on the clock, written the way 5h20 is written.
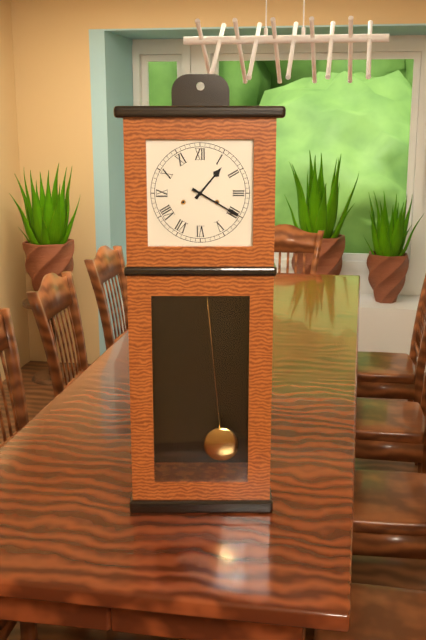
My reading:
1h20
